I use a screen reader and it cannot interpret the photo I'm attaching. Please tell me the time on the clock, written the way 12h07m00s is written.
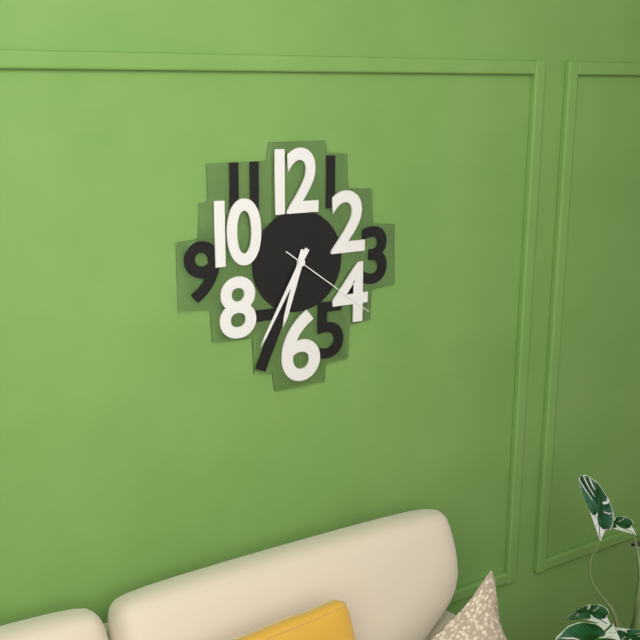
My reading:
6h35m21s
